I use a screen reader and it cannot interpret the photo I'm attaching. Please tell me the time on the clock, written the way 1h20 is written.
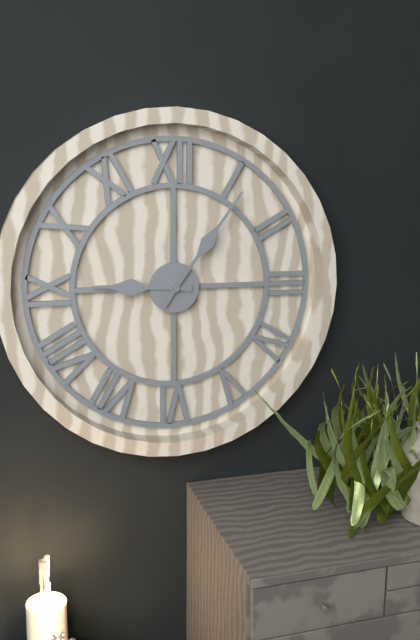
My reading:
9h06
